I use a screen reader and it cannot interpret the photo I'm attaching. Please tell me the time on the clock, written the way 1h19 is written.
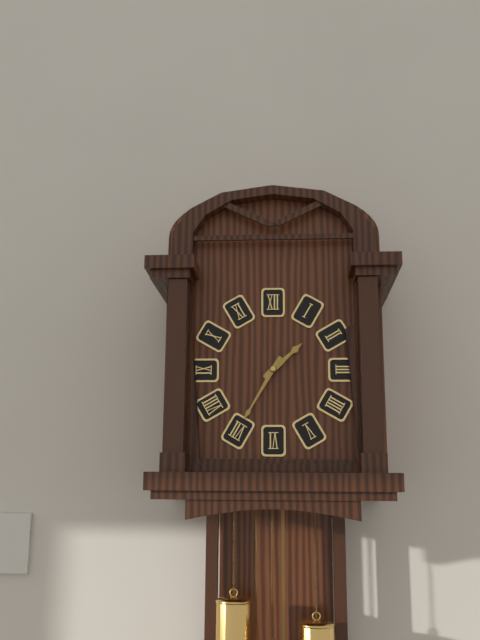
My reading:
1h35
